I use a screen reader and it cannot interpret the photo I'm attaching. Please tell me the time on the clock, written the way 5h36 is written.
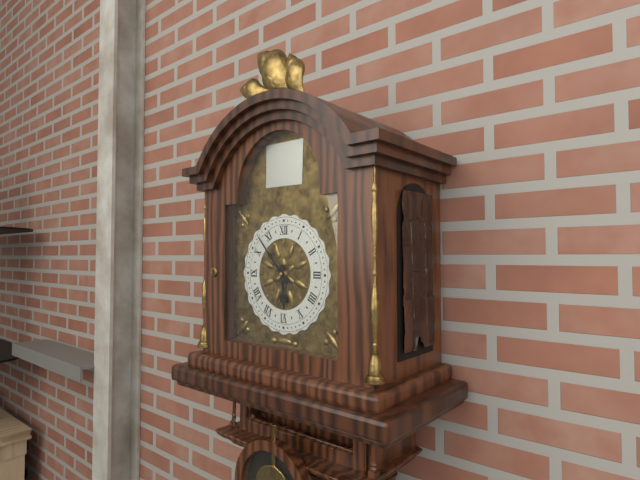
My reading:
5h53
